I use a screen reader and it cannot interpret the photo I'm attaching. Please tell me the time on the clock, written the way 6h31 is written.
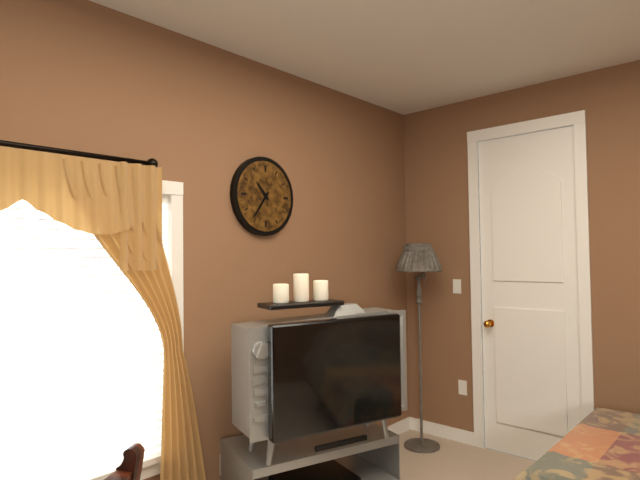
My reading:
10h36
